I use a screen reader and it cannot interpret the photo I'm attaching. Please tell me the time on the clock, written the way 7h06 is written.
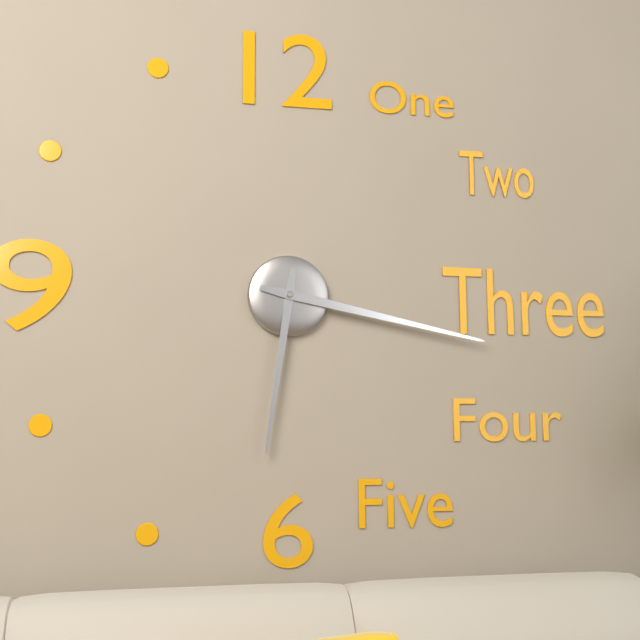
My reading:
6h17
